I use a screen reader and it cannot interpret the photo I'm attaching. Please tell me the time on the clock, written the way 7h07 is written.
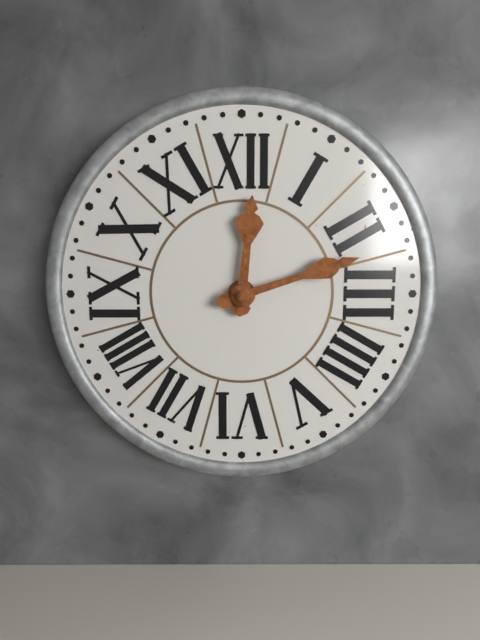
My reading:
12h12
